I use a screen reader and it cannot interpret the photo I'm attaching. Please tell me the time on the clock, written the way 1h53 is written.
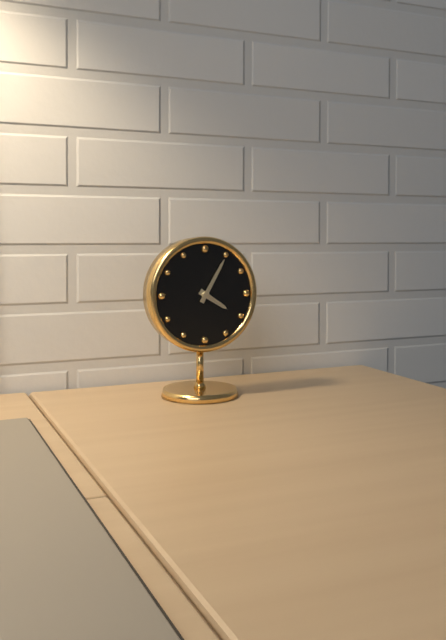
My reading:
4h05
